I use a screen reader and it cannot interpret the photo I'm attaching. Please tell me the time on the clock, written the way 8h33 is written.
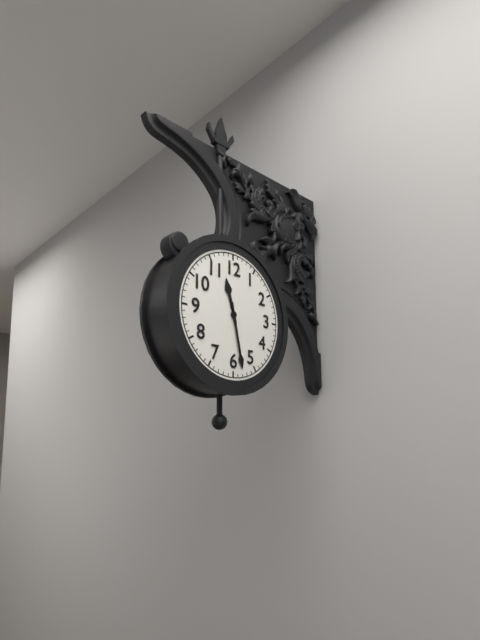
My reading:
11h28
